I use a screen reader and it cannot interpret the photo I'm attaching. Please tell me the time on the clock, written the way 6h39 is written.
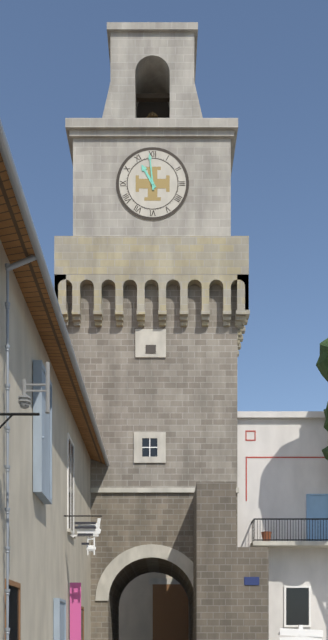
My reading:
10h59
